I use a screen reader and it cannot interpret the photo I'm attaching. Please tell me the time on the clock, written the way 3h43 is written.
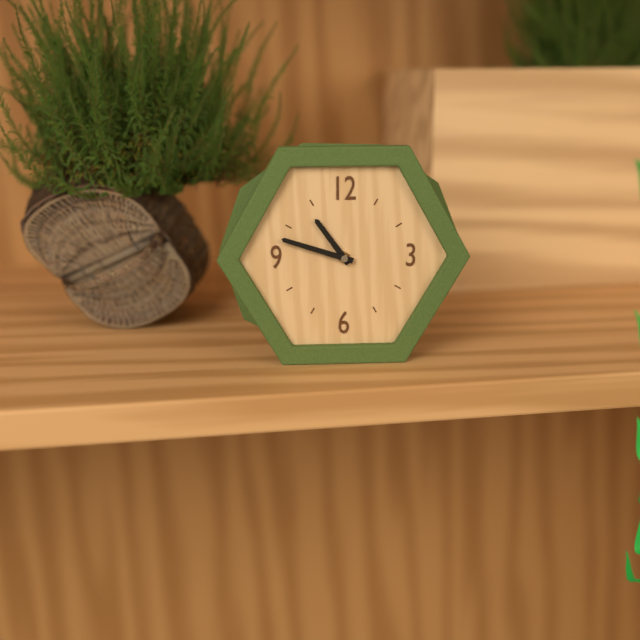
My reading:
10h48
